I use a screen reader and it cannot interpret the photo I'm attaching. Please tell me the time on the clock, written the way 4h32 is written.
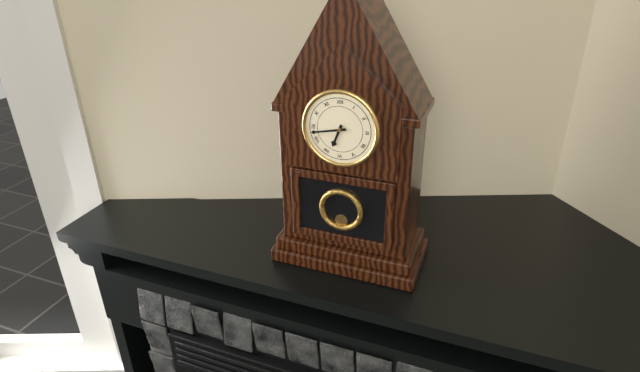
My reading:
6h43
